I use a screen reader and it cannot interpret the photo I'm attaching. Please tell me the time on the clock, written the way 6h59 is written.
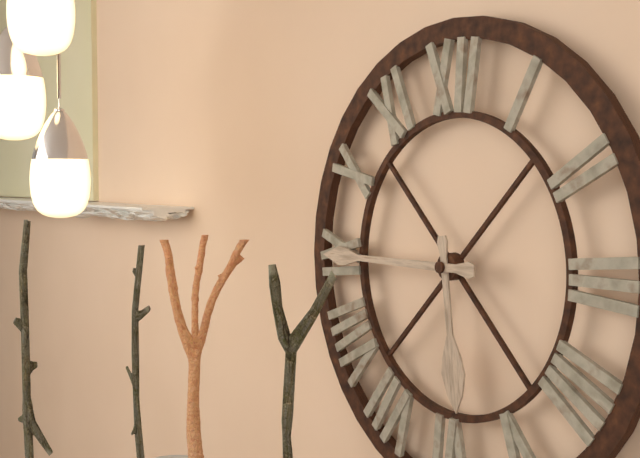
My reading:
5h45
